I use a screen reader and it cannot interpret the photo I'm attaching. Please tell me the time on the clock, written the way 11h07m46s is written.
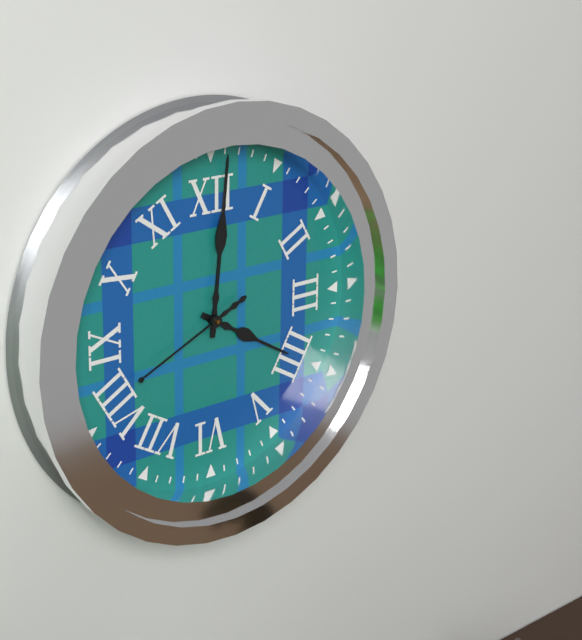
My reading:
4h01m41s
